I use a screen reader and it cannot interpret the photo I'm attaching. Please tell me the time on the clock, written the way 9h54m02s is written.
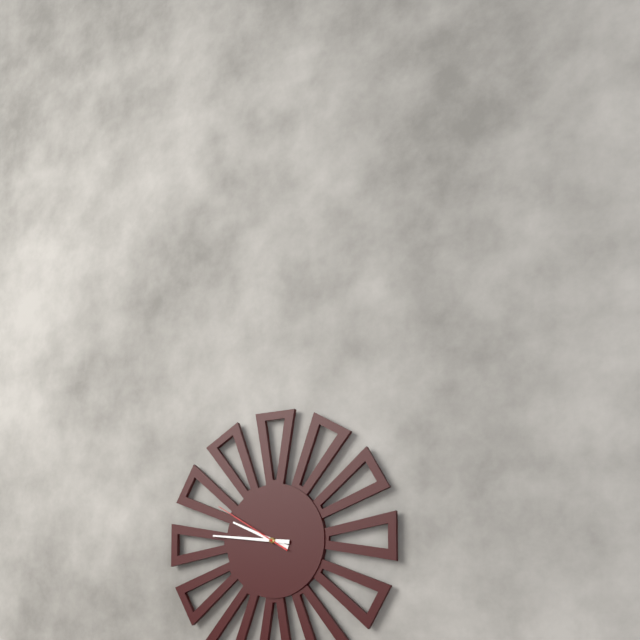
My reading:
9h46m50s
